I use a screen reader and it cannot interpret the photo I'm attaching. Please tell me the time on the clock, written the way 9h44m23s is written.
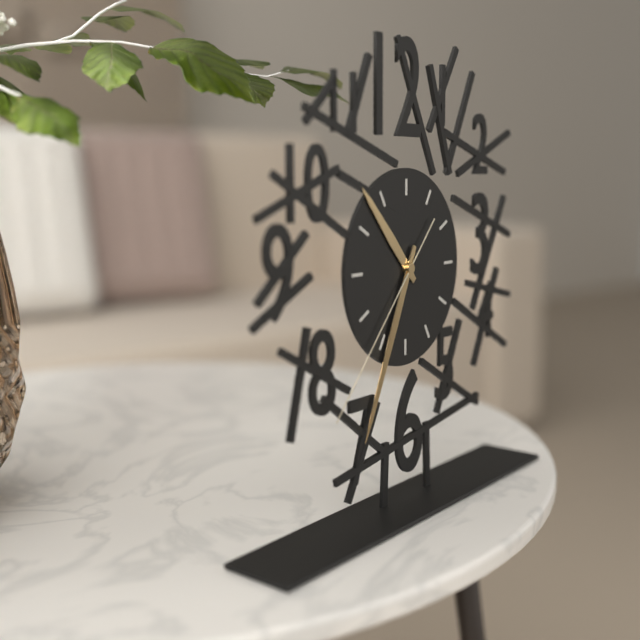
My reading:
10h34m37s
